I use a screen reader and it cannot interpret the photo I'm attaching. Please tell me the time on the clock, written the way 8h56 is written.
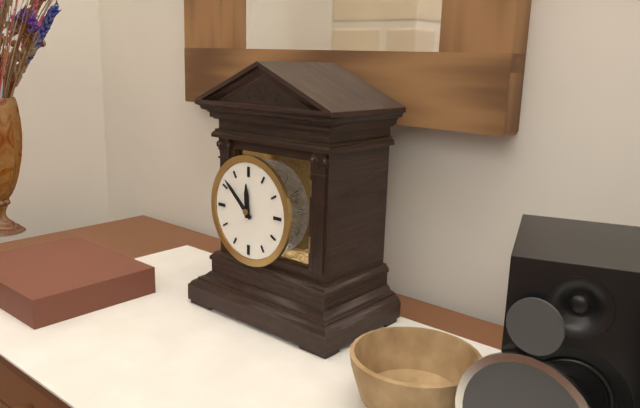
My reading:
11h52
